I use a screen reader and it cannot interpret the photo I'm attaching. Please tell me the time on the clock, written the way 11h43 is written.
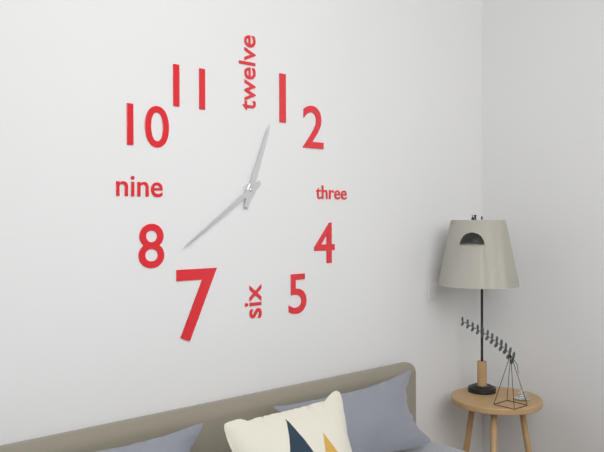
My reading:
12h39
